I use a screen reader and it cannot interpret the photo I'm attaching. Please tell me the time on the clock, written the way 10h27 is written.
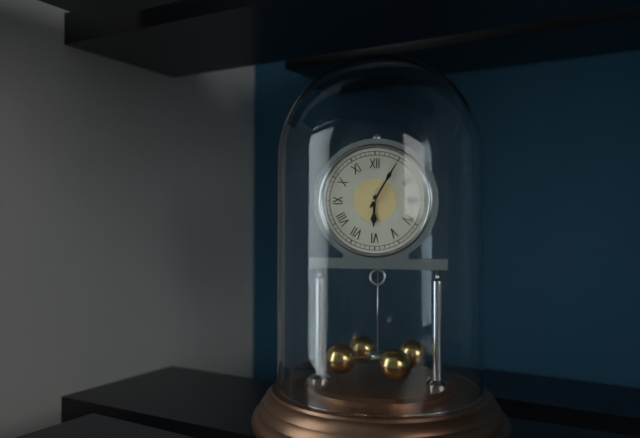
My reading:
6h05
